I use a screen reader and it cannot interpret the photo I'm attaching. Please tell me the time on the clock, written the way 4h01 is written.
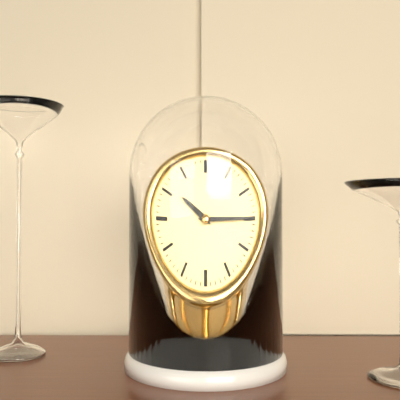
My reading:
10h15
